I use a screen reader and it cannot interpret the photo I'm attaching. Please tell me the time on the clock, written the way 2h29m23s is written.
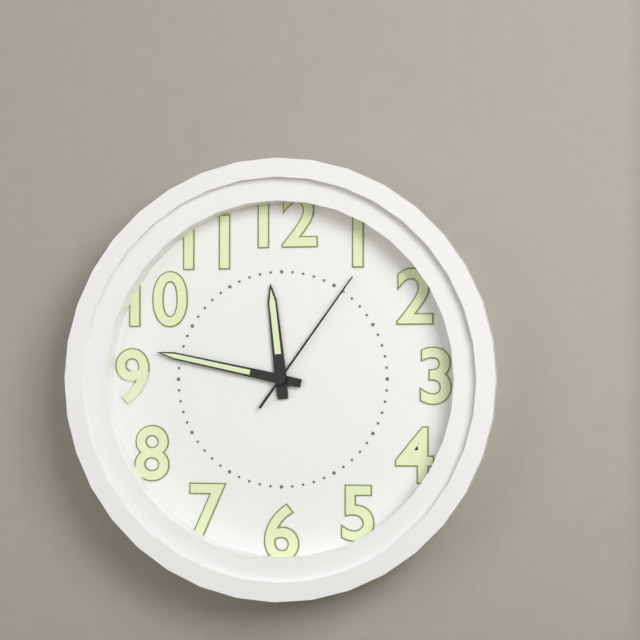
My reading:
11h47m06s
